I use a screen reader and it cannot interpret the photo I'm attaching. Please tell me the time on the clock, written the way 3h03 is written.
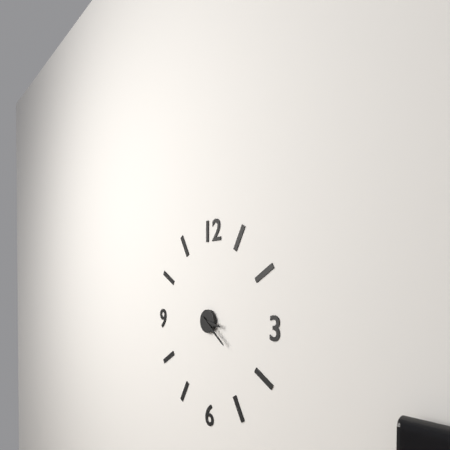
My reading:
3h21
